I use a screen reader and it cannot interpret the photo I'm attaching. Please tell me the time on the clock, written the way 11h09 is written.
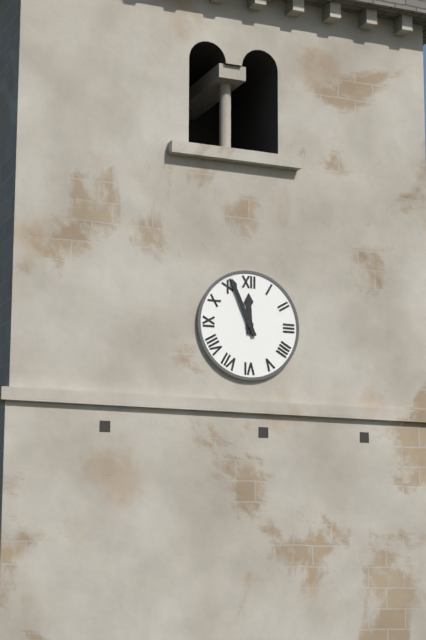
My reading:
11h56
